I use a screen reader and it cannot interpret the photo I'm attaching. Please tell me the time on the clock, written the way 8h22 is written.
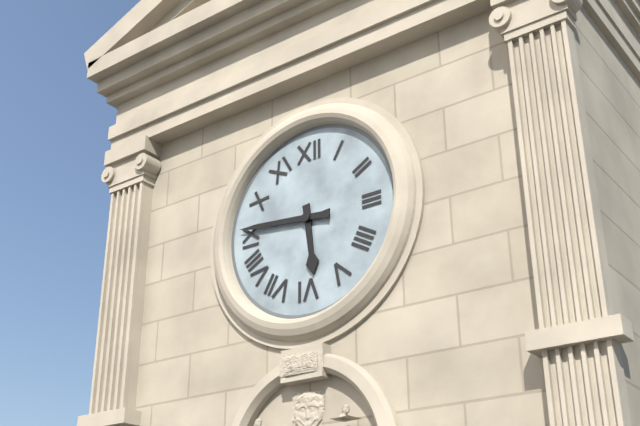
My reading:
5h46
